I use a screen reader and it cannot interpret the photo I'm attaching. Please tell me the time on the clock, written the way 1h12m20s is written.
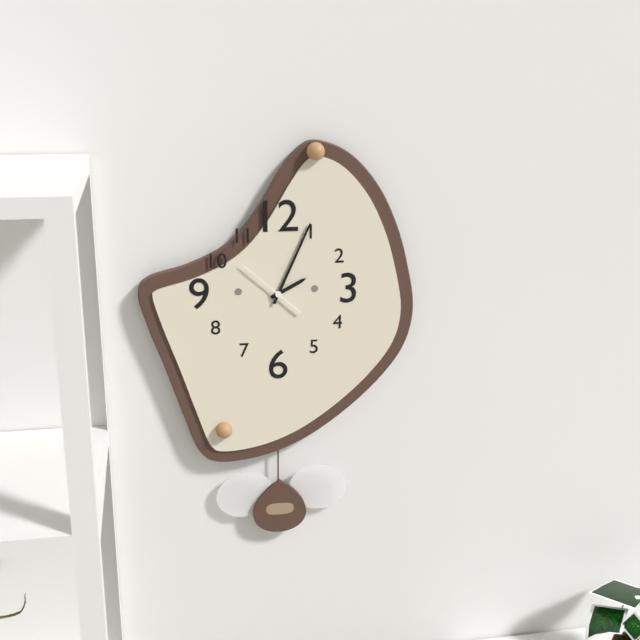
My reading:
2h04m52s
